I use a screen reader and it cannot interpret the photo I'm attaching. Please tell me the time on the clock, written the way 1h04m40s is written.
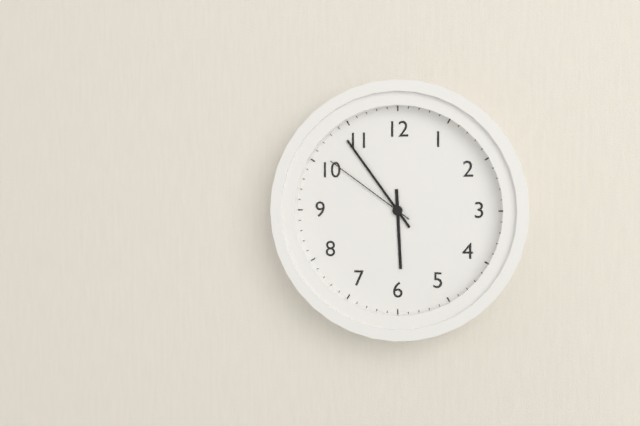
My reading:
5h54m51s
